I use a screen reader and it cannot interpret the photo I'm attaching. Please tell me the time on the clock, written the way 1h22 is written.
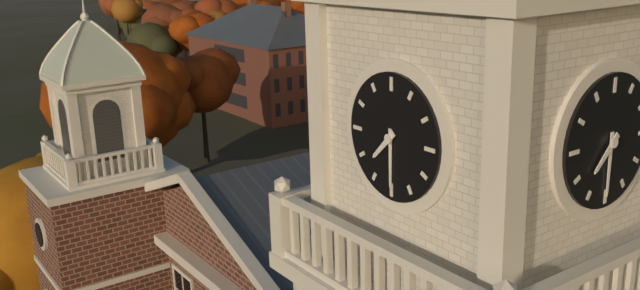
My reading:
7h30
